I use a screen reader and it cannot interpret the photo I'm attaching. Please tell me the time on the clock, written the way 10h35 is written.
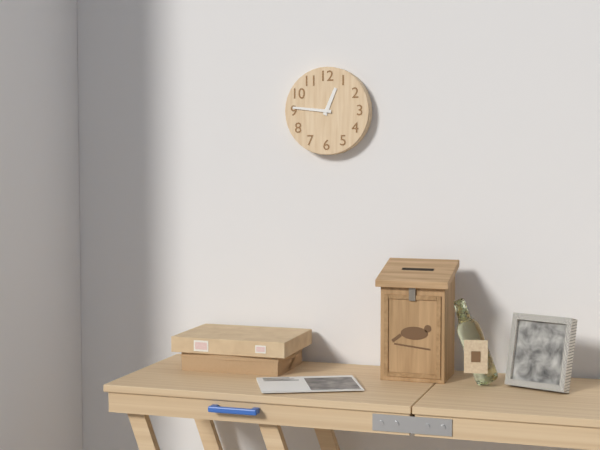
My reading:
12h46
